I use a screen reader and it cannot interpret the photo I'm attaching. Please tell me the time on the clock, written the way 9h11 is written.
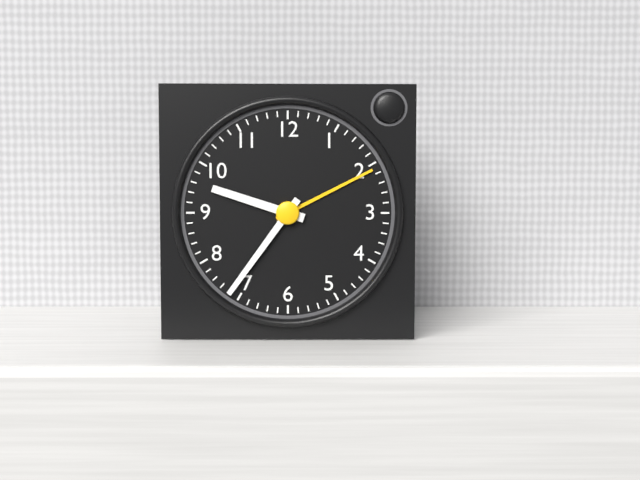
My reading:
9h36
